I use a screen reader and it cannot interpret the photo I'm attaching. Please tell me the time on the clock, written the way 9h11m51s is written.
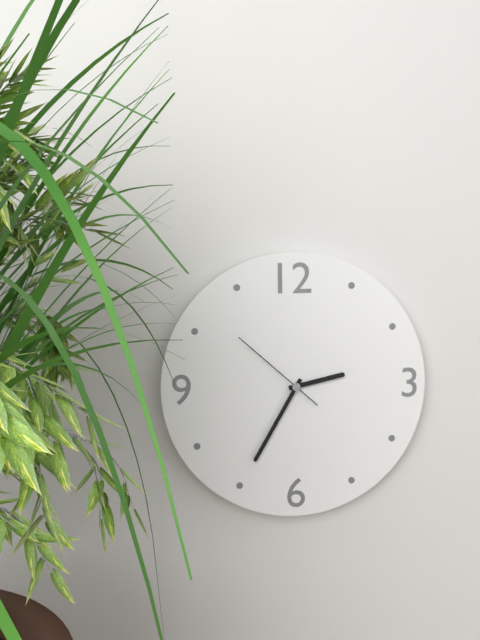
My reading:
2h35m52s
